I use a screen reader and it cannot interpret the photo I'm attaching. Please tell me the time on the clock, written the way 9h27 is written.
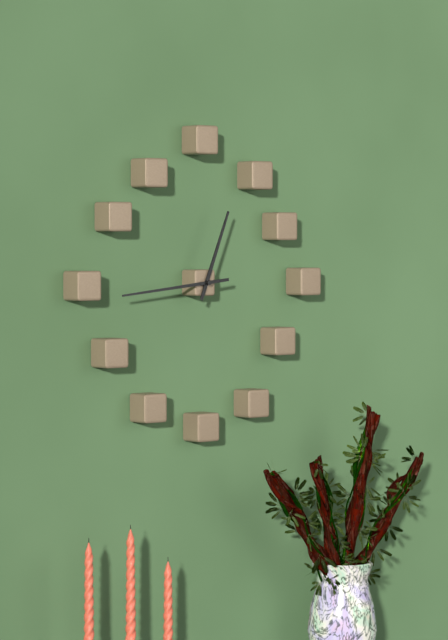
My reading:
12h44
